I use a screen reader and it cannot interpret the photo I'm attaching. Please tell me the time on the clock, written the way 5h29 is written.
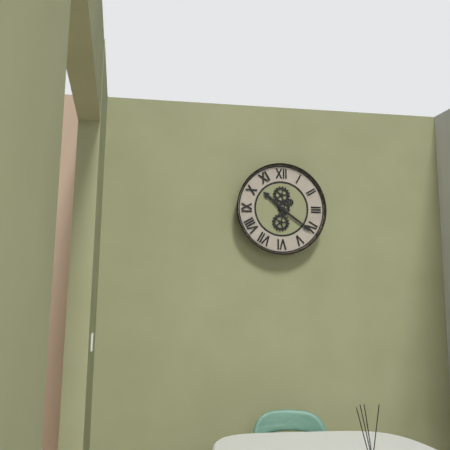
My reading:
10h21
